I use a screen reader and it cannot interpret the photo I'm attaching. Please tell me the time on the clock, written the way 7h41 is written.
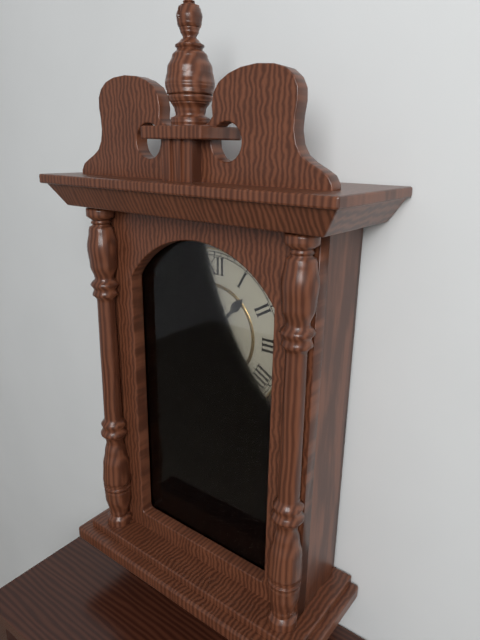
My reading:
1h23
